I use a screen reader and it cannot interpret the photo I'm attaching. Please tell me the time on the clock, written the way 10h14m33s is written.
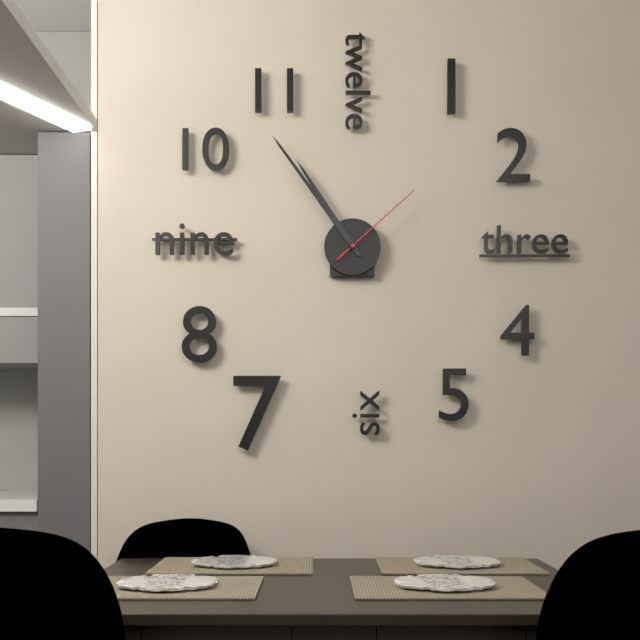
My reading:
10h54m08s
